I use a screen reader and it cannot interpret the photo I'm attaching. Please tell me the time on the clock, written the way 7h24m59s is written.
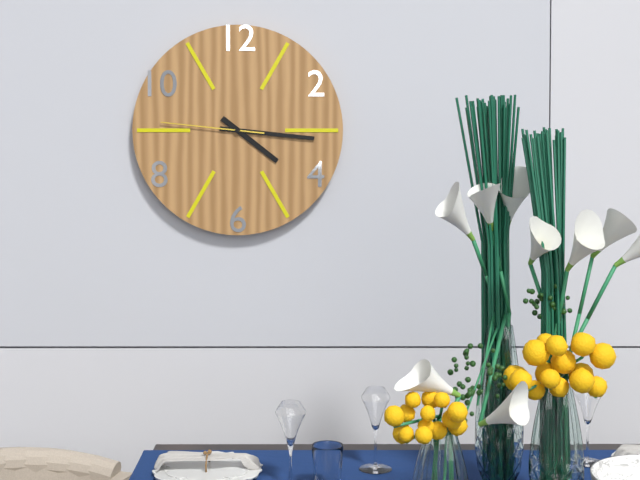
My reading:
4h16m46s
